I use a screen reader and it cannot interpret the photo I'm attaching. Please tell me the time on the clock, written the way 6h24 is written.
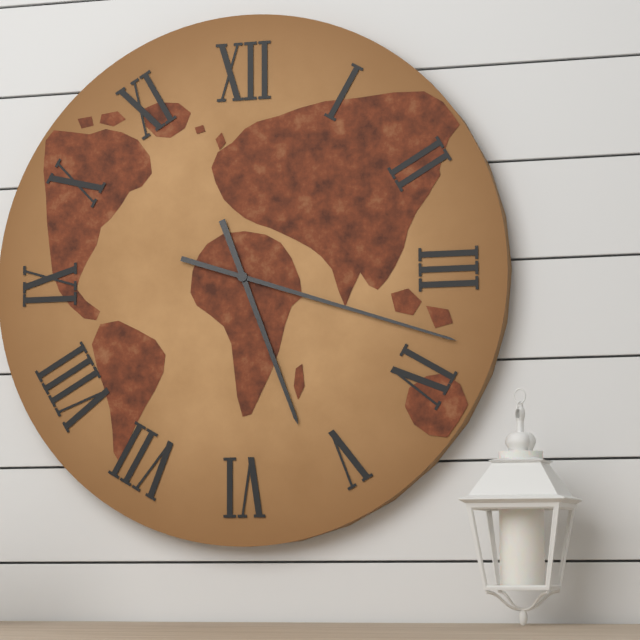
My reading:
5h18
